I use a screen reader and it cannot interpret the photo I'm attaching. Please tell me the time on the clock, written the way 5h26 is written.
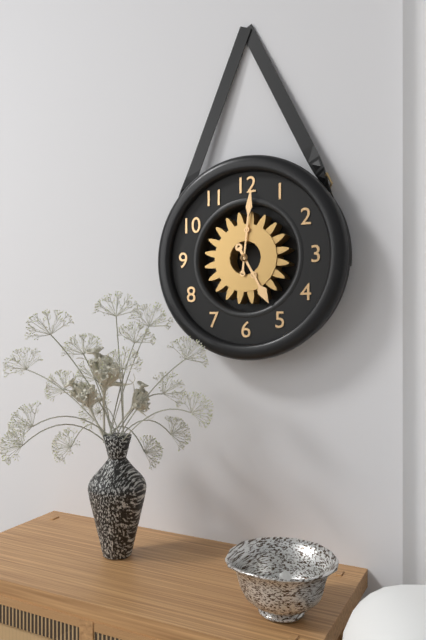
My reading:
5h01
